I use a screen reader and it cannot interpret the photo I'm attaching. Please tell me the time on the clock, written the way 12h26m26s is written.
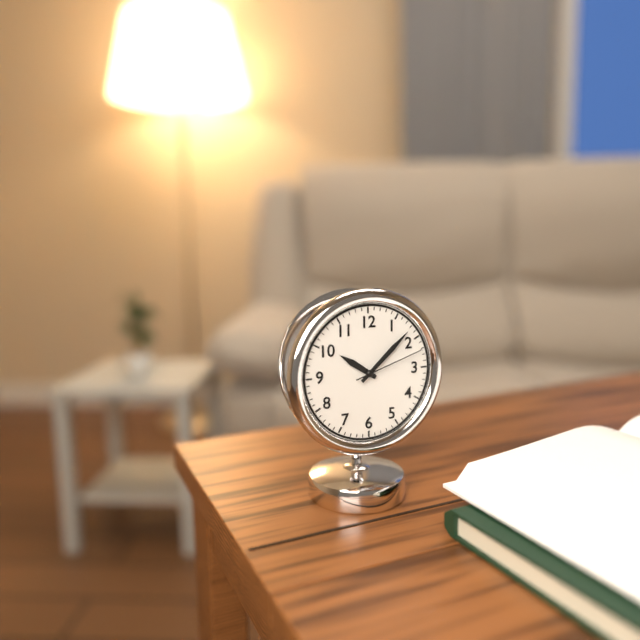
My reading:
10h08m12s
